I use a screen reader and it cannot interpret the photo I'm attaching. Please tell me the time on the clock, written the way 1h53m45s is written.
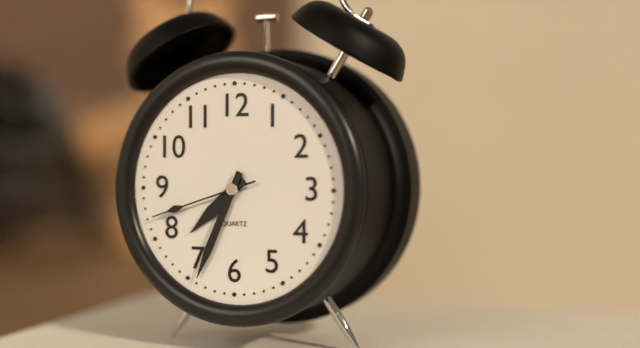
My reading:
7h34m42s
